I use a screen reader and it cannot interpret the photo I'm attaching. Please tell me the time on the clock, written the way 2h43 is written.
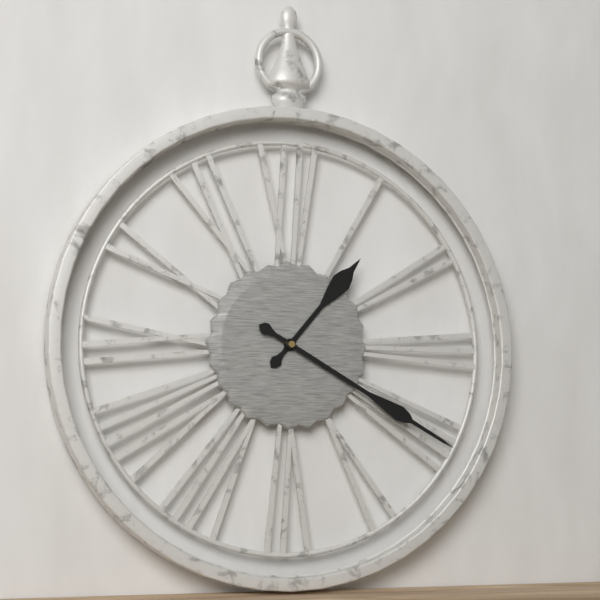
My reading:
1h20
